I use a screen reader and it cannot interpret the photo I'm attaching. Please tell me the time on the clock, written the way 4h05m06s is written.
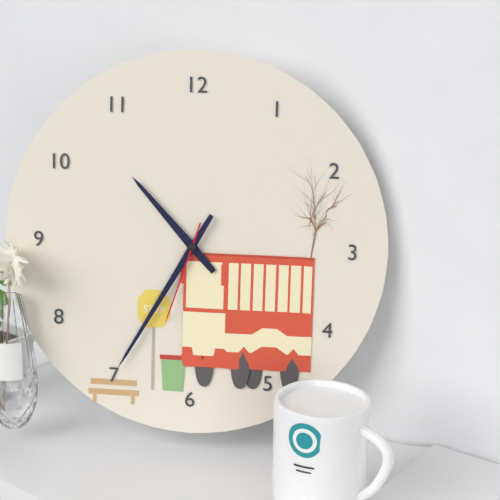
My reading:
10h35m33s
